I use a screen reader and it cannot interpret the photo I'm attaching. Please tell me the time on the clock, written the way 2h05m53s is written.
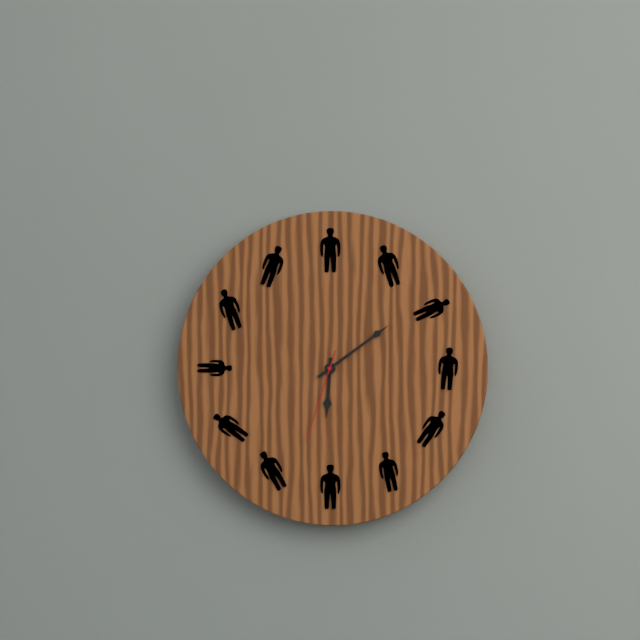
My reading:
6h09m33s
